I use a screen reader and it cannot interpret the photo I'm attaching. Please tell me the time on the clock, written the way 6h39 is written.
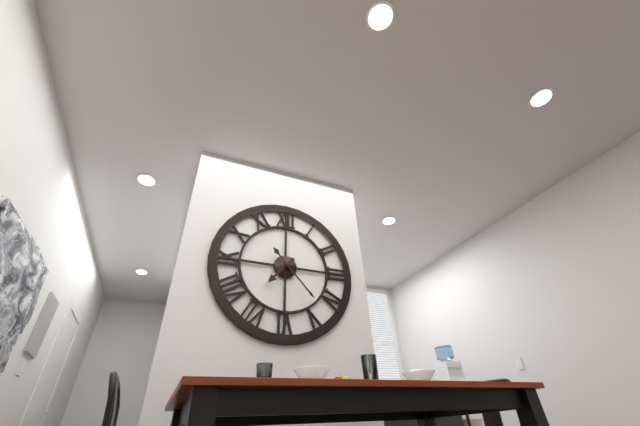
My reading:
7h23
